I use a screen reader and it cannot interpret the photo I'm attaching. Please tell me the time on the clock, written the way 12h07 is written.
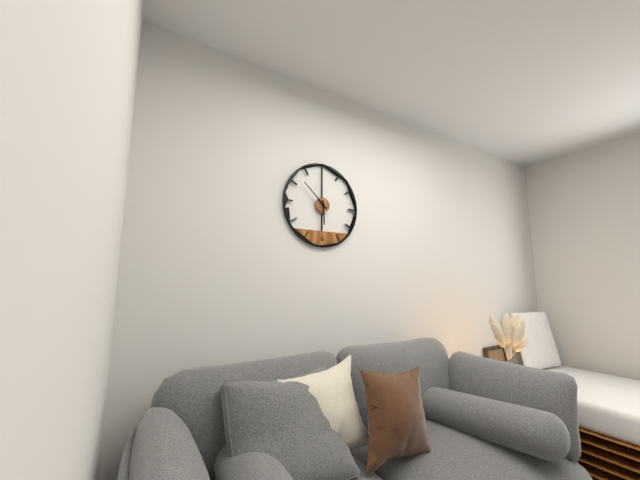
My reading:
5h52
